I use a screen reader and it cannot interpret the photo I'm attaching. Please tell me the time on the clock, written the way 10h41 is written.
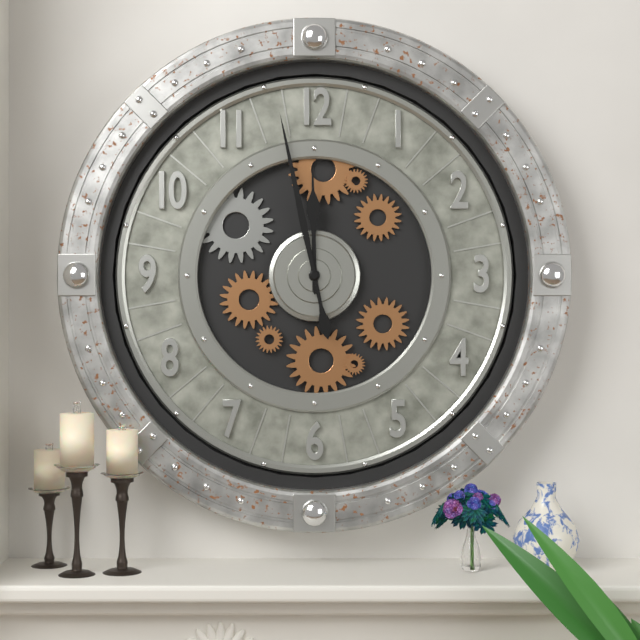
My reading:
11h58
